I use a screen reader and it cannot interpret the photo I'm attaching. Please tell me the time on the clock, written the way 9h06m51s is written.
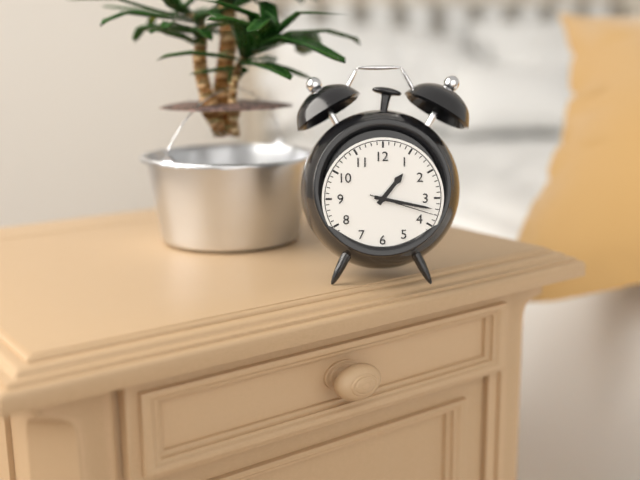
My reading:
1h17m18s
